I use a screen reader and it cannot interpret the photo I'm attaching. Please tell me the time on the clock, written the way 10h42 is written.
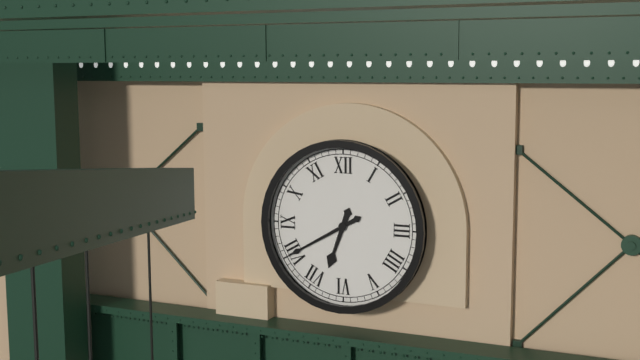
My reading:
6h40
